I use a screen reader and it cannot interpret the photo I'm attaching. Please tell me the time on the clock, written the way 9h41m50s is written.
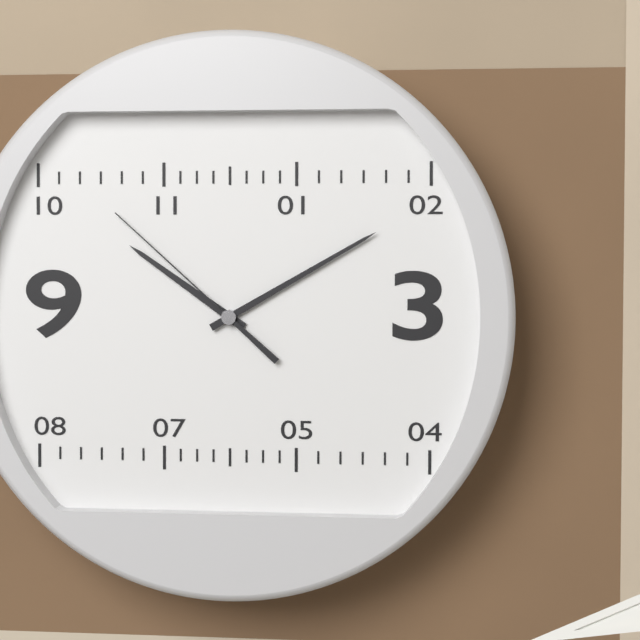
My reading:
10h10m52s
